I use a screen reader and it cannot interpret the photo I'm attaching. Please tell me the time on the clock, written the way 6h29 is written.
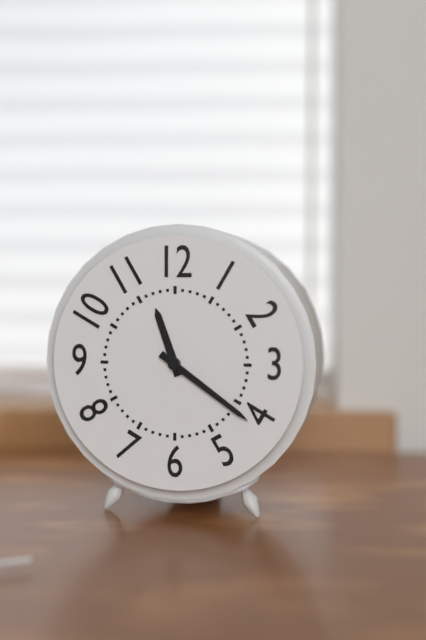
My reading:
11h21
